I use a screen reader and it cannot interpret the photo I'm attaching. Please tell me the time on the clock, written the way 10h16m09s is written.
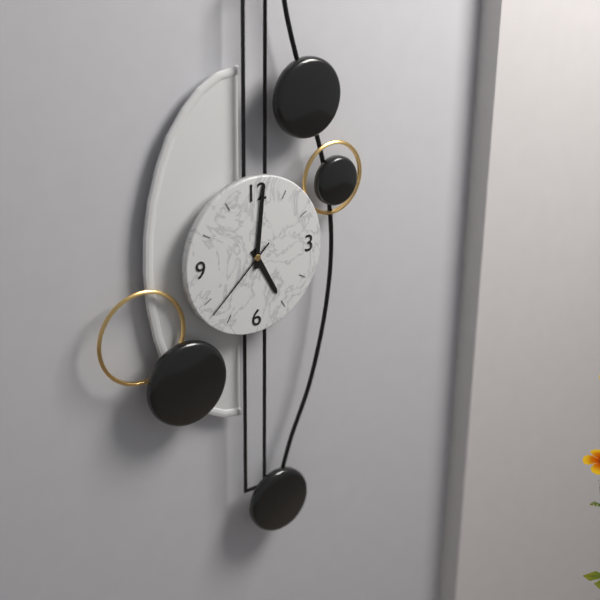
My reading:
5h01m38s
